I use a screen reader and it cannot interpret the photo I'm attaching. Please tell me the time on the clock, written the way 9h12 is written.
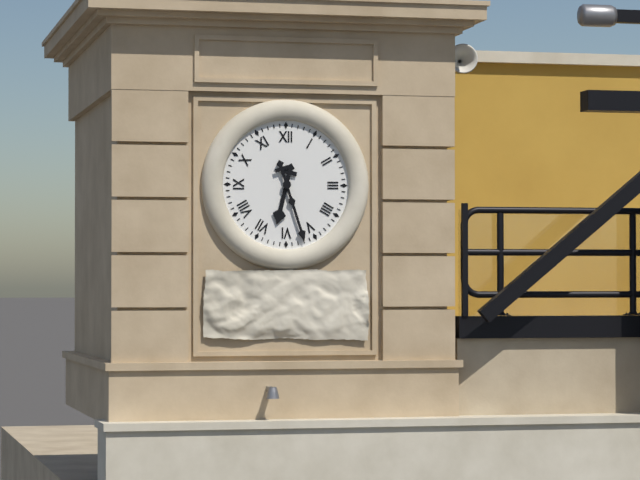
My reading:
6h27
